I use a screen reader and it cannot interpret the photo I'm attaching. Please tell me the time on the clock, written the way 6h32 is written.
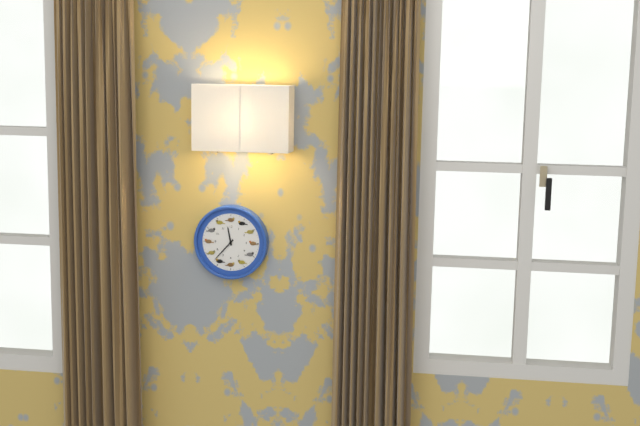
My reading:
11h37
